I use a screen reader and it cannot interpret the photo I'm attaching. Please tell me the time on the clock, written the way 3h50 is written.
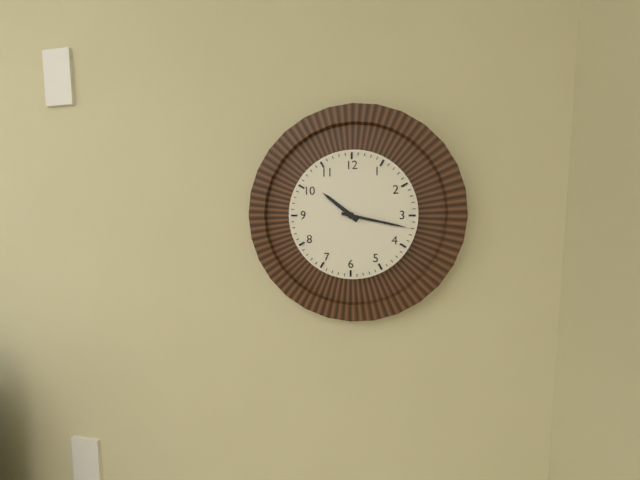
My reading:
10h17
